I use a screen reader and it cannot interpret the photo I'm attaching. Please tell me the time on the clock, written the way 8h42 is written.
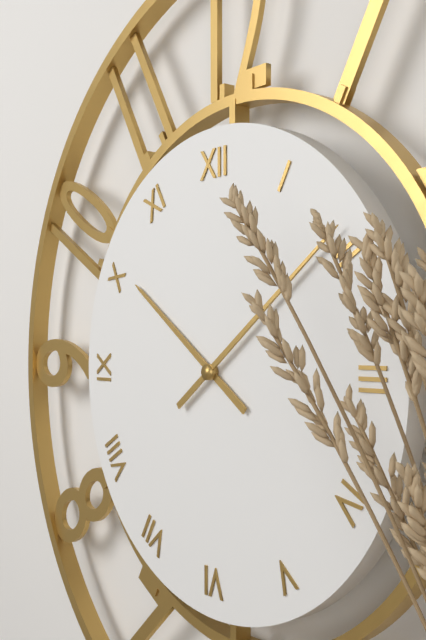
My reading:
10h09
